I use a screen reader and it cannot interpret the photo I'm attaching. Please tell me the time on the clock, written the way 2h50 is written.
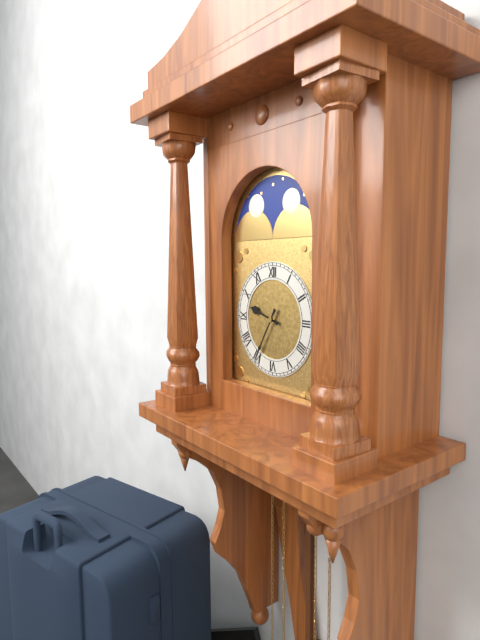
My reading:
9h35
